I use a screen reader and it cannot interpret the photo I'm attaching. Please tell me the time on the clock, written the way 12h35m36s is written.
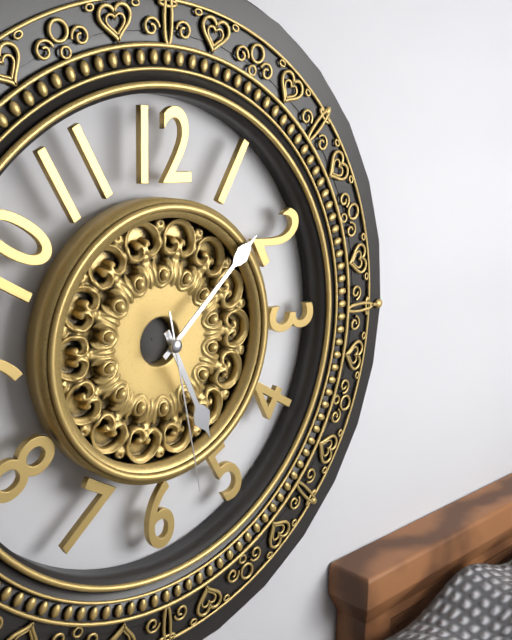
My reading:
5h08m28s
